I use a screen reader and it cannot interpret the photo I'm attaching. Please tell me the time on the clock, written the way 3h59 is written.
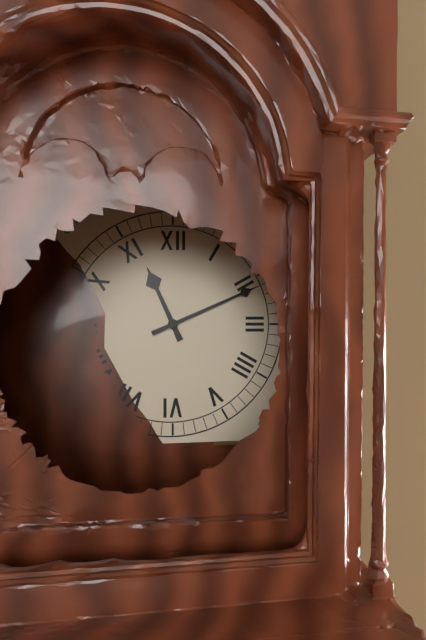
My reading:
11h11
